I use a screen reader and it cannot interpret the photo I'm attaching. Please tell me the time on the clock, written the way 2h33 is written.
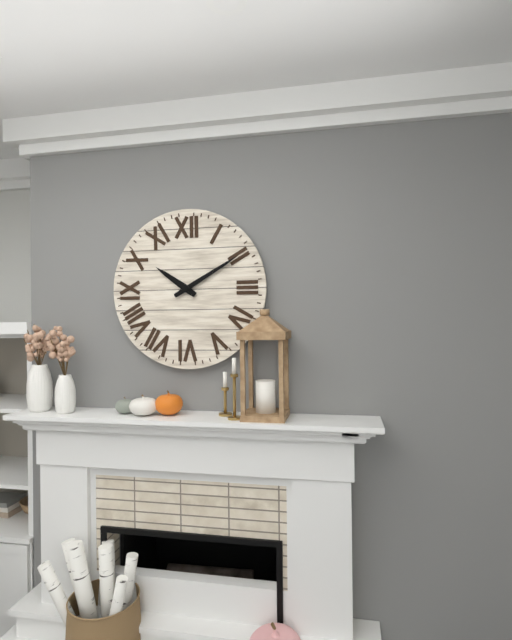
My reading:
10h10
